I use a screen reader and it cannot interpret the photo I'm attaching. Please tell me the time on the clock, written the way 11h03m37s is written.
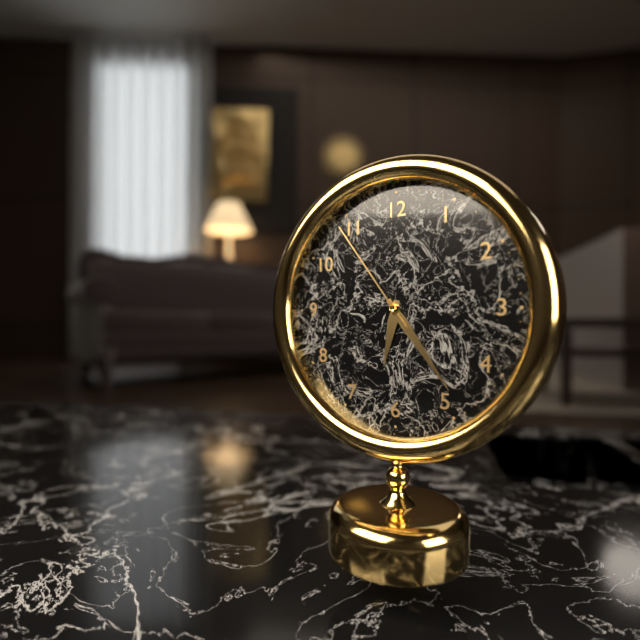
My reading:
6h24m54s
